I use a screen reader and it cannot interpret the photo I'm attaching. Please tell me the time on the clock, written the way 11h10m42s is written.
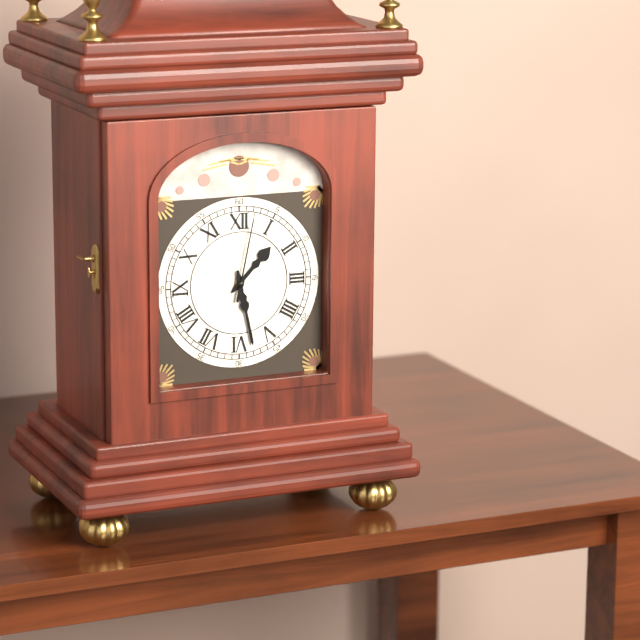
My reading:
1h28m02s
